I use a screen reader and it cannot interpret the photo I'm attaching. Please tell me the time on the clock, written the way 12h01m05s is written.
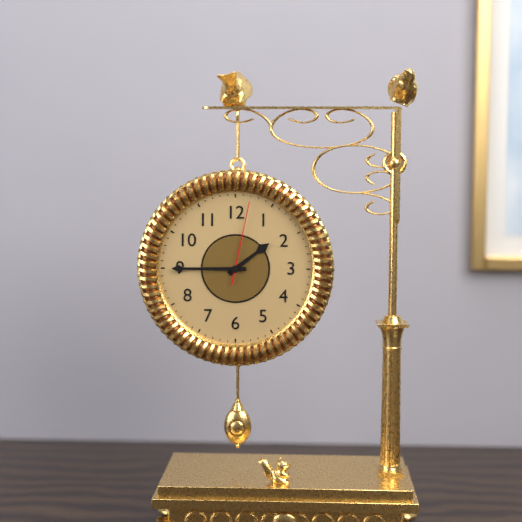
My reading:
1h45m02s
